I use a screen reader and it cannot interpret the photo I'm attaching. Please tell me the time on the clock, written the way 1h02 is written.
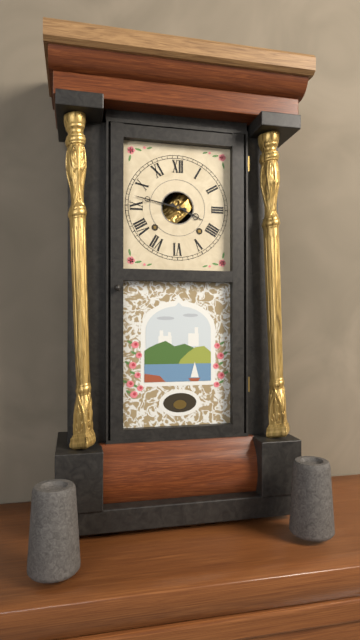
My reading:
3h47
